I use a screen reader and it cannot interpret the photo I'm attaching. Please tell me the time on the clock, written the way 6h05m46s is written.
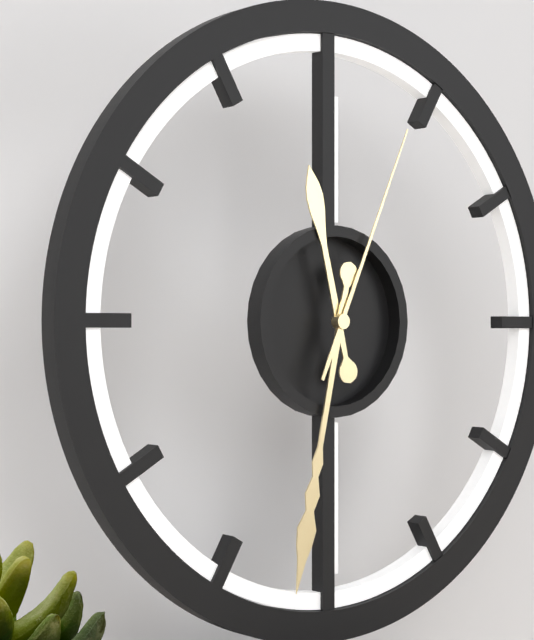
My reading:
11h32m04s
